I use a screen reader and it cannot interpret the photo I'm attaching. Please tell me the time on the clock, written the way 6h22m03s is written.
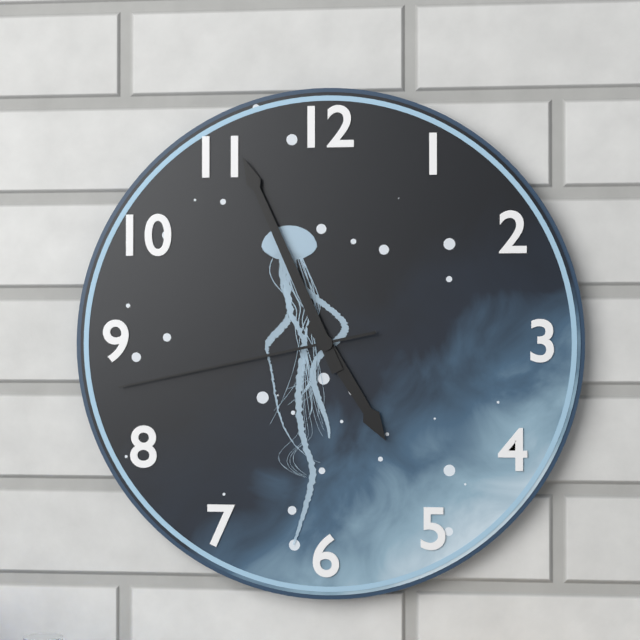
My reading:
4h56m43s
